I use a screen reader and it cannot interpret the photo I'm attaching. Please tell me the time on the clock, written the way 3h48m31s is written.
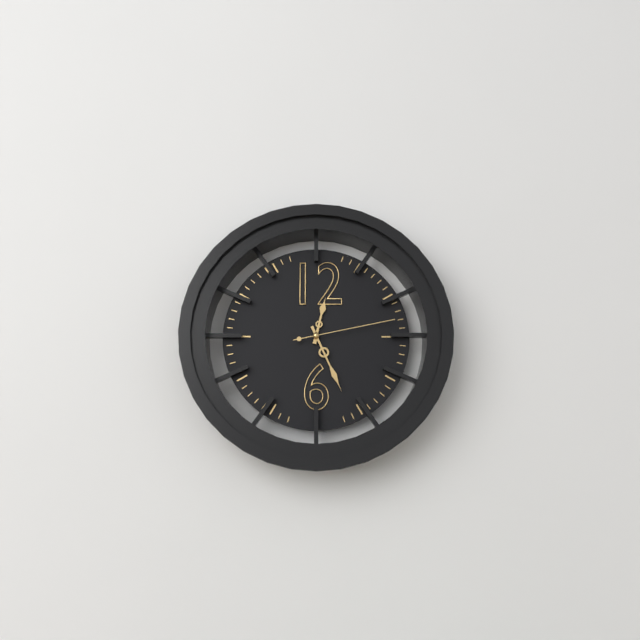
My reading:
12h26m13s
